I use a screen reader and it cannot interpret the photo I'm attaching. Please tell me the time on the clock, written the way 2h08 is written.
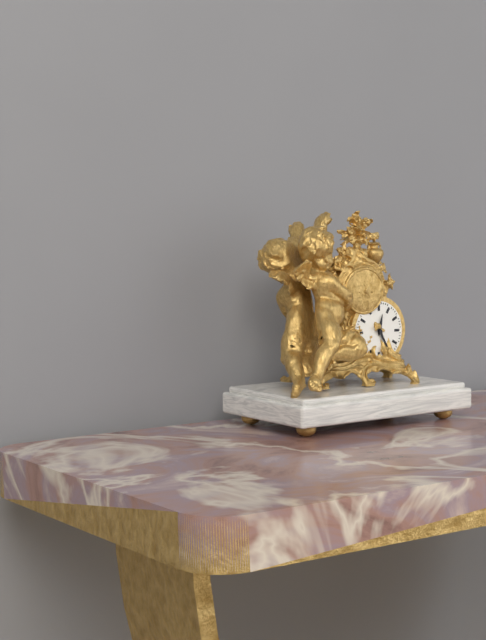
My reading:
12h25
